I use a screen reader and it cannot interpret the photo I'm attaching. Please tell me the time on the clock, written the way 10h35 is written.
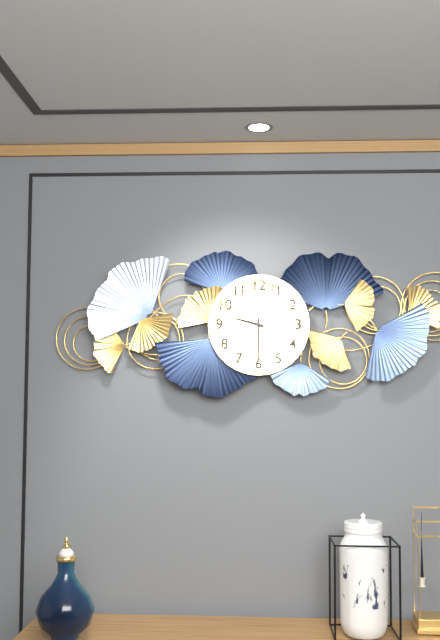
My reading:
9h30
